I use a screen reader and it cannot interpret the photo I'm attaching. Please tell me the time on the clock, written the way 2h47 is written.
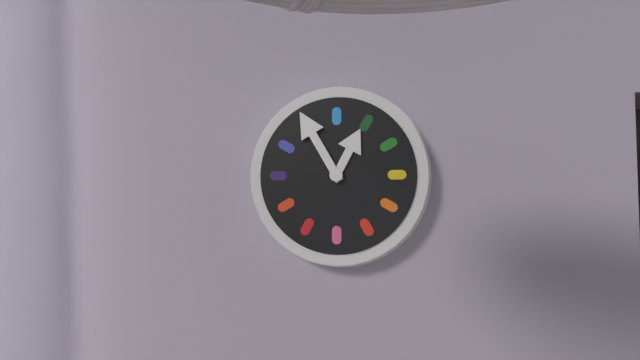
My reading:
12h55
